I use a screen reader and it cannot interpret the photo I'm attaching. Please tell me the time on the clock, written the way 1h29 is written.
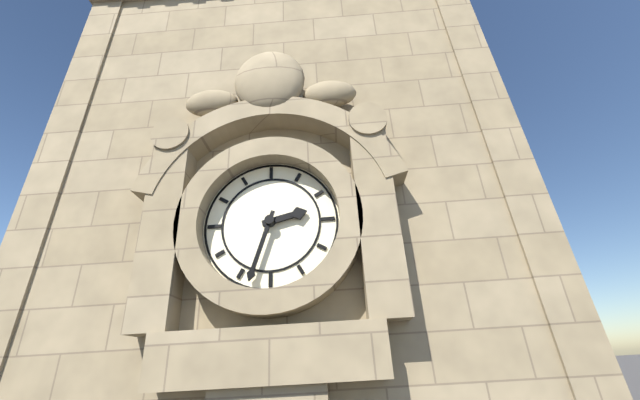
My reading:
2h33
